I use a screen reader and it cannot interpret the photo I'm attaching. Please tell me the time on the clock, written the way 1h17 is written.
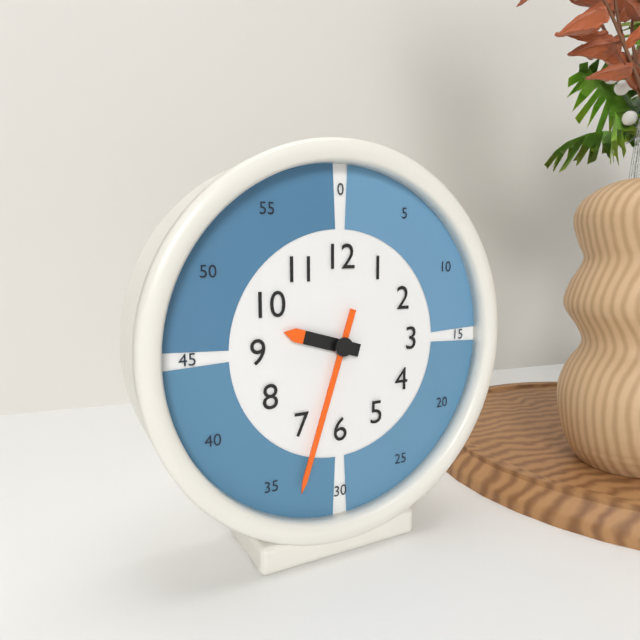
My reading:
9h33
